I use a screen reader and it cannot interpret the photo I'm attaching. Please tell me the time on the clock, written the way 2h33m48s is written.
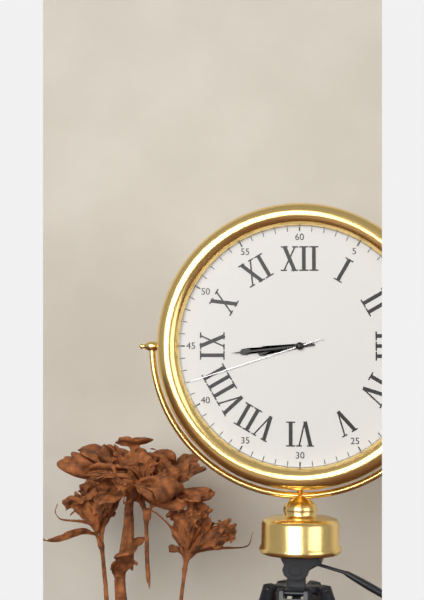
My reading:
8h44m42s
